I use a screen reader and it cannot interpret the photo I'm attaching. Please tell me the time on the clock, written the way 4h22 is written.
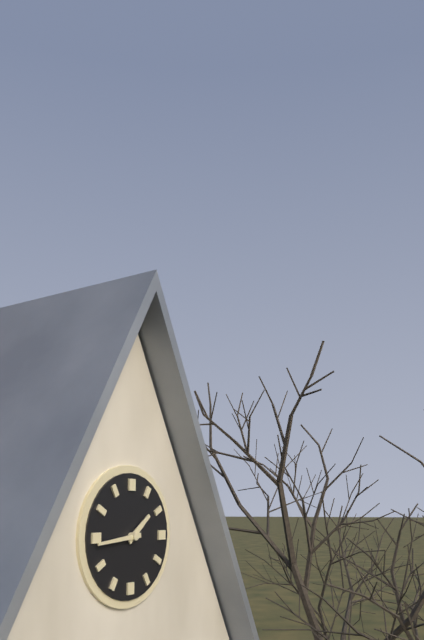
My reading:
1h44
